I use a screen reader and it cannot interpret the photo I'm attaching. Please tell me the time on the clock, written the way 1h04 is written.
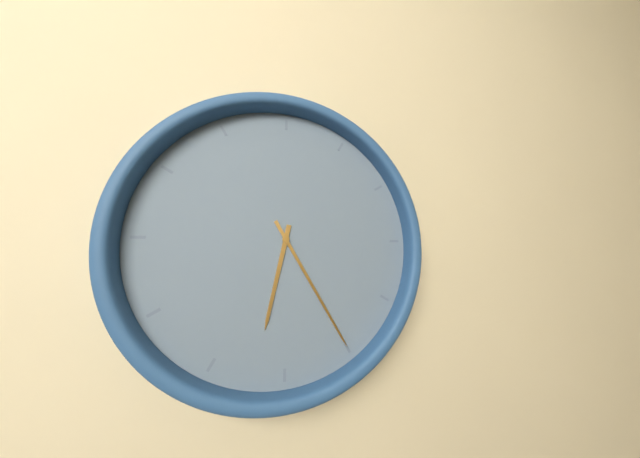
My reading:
6h25
